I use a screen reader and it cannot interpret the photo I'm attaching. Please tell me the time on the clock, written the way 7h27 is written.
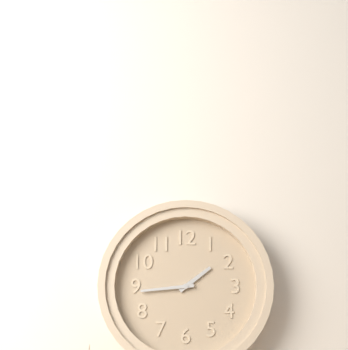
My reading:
1h44
